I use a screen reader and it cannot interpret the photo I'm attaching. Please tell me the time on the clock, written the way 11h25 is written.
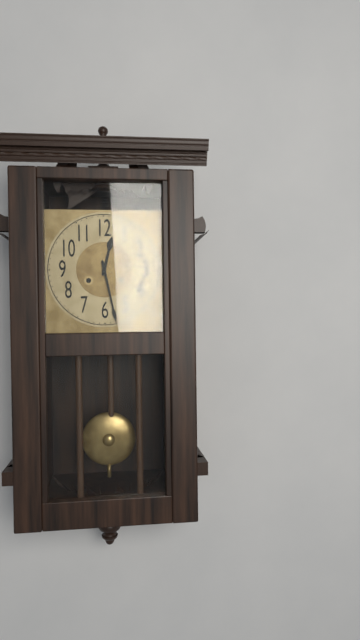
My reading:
12h28
